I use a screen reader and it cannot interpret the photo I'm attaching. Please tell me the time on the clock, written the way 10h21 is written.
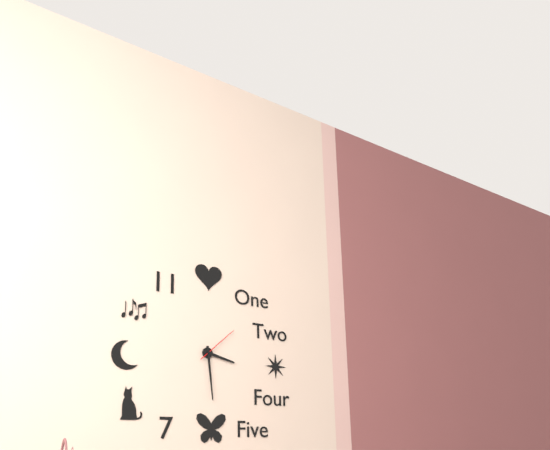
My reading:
3h29
